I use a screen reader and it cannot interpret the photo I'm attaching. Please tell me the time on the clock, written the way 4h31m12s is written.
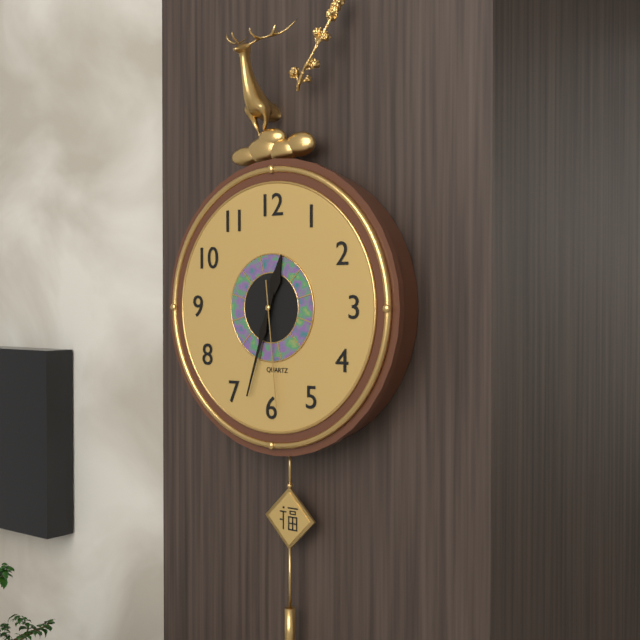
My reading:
12h33m29s
